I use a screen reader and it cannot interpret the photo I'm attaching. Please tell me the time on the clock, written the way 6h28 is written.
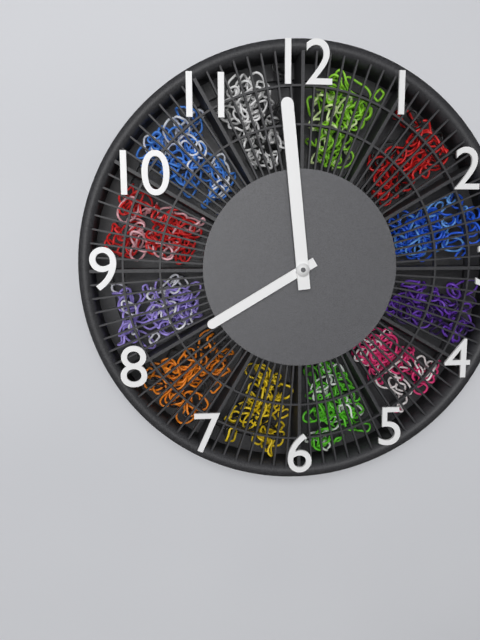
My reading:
7h59
